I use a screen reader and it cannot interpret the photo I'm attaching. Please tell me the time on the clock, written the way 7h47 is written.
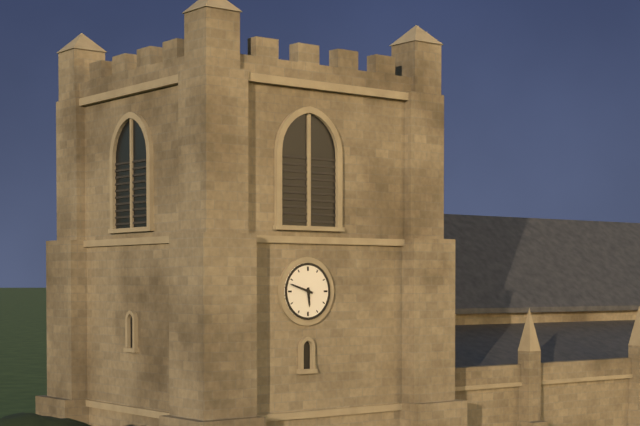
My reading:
5h48
